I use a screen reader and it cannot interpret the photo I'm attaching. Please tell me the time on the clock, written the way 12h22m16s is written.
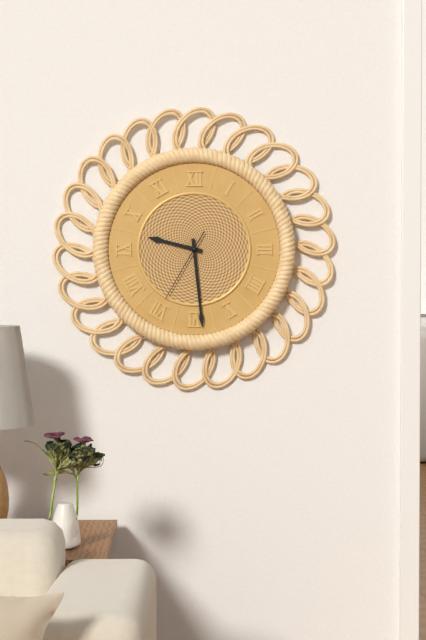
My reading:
9h29m35s
